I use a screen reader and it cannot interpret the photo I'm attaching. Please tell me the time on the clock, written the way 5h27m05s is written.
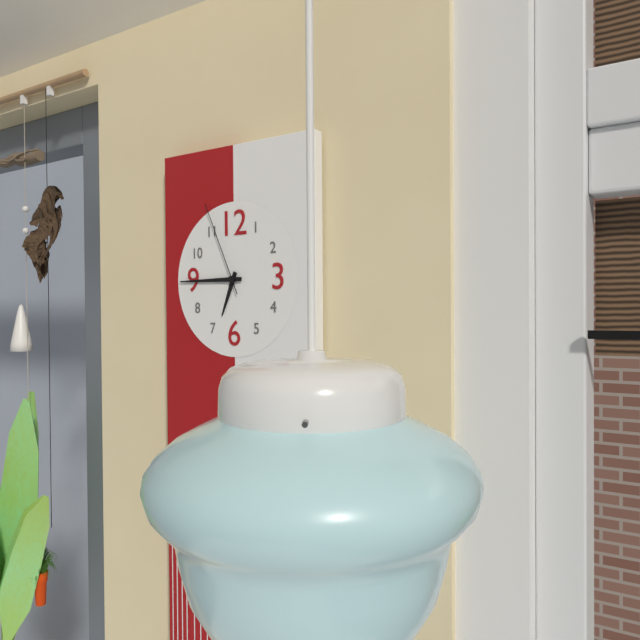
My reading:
6h45m56s
